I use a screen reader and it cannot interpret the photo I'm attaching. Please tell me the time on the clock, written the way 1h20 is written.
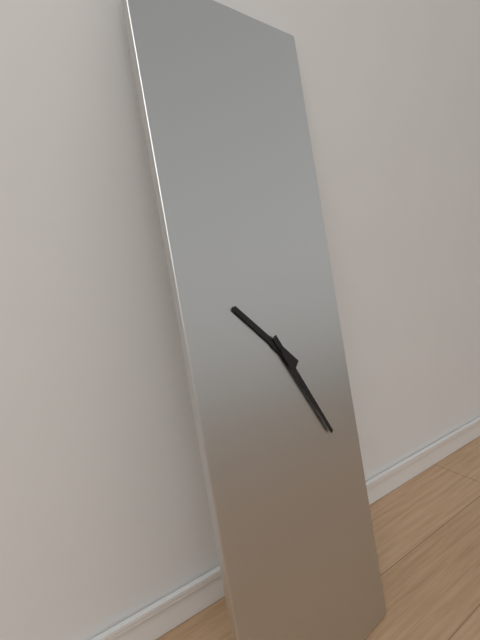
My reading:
10h25
